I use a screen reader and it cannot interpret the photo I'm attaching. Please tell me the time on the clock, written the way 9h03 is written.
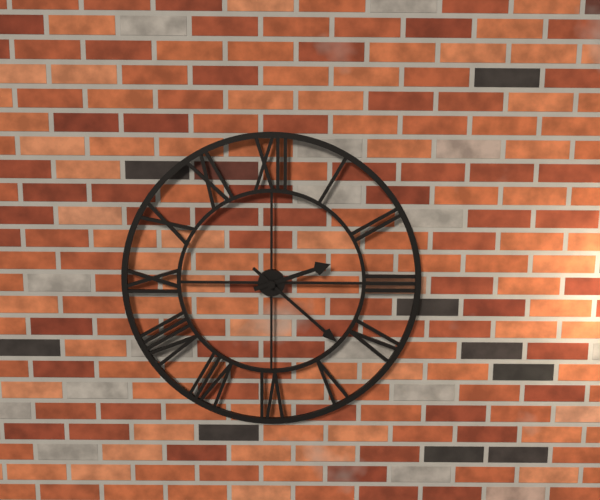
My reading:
2h22
